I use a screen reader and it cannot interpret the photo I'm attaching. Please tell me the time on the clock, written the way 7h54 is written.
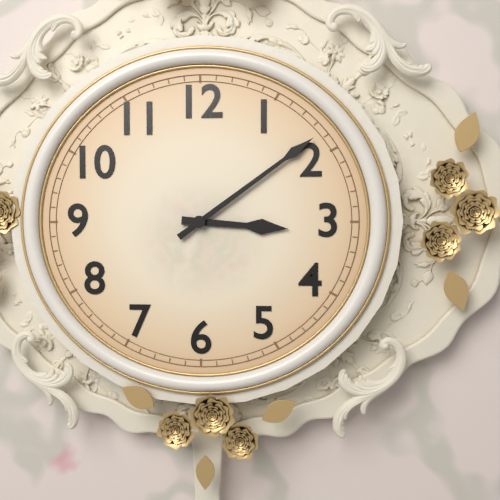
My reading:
3h09
